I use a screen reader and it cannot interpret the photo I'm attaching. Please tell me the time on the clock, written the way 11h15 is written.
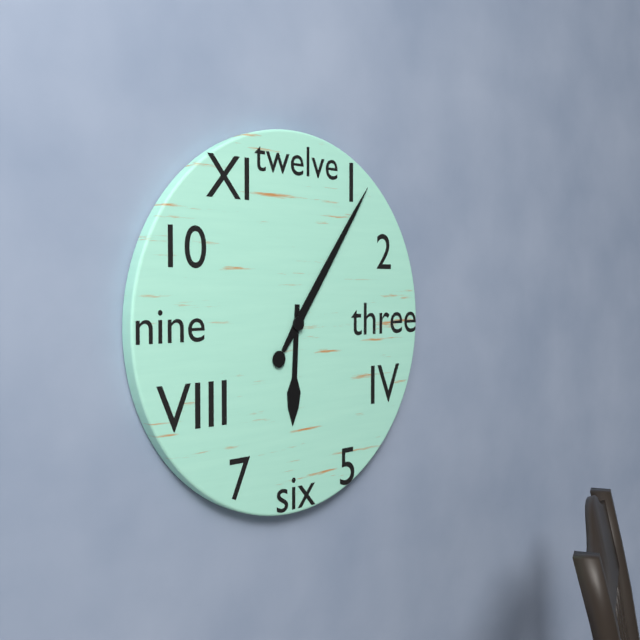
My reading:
6h06
